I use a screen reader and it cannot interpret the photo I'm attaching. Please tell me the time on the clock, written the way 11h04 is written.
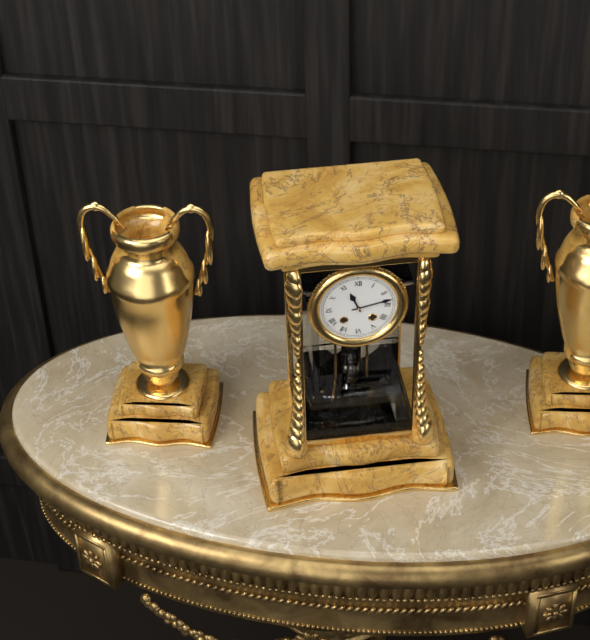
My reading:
11h13
